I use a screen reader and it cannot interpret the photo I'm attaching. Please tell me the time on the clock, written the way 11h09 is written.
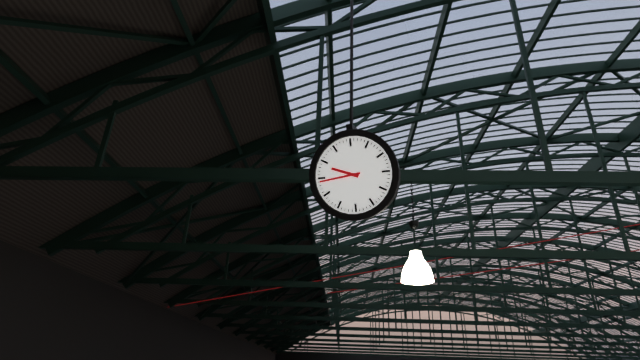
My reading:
9h44
